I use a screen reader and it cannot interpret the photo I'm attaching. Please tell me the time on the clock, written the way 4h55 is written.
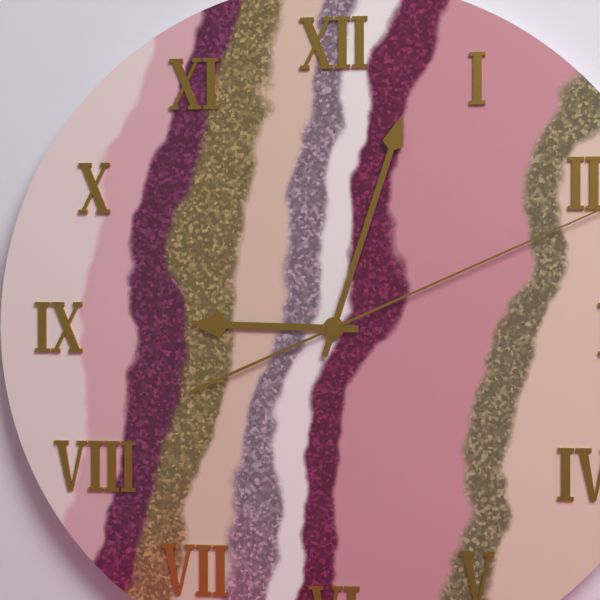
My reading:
9h03
